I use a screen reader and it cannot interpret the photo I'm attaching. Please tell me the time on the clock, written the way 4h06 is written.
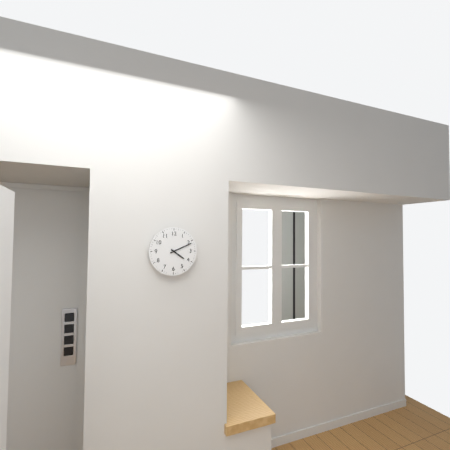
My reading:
4h11
